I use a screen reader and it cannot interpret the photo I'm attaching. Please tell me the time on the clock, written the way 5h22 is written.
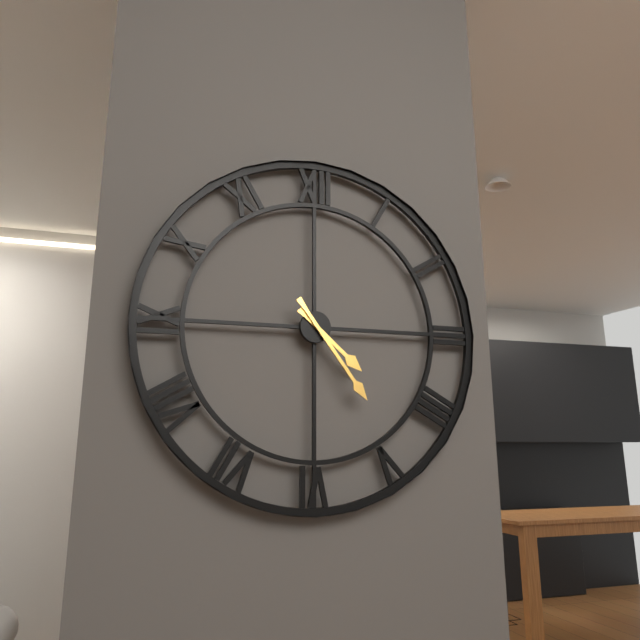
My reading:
4h24
